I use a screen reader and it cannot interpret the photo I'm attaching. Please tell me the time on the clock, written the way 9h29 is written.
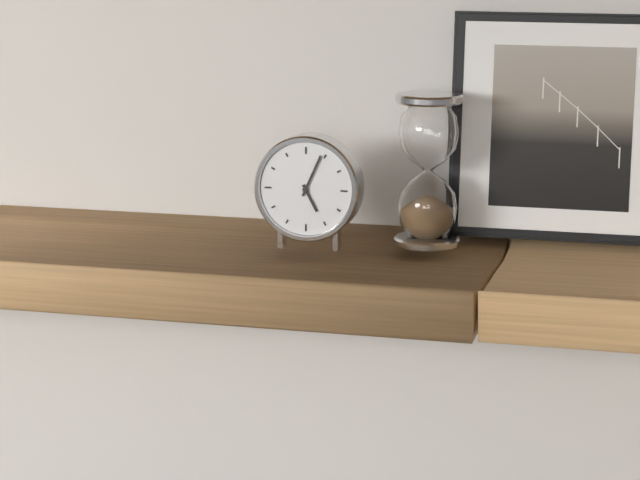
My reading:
5h04
